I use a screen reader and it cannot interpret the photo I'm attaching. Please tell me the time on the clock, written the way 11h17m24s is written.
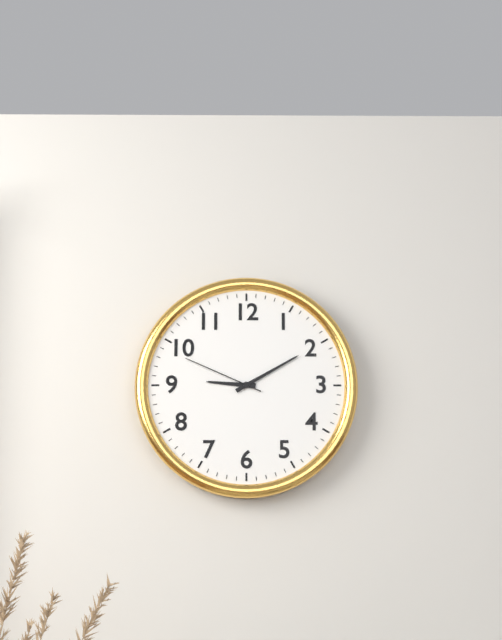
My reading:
9h10m49s
